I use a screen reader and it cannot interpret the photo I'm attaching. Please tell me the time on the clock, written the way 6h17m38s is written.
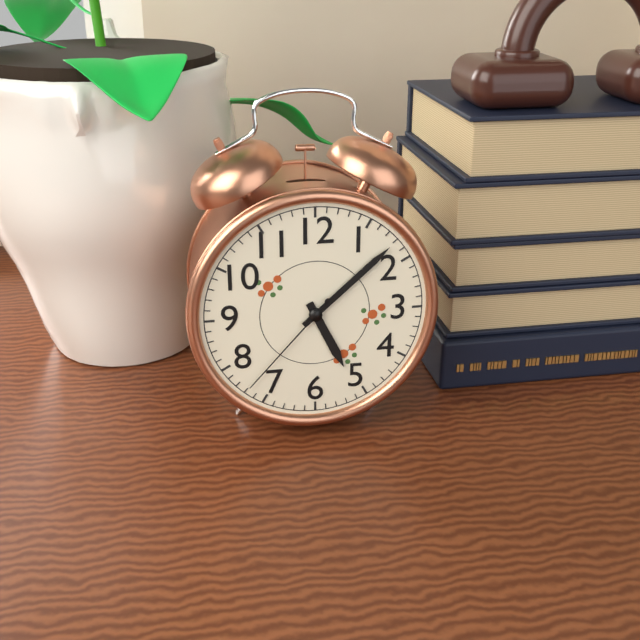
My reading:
5h08m37s
